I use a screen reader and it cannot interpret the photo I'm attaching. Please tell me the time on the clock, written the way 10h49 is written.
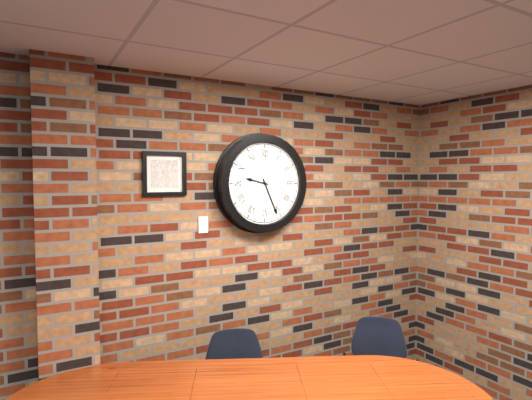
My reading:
9h26
